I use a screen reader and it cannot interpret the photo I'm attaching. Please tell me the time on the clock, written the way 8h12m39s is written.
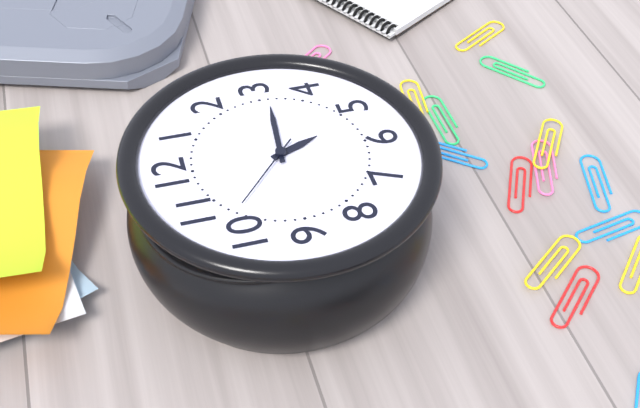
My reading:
5h16m52s
